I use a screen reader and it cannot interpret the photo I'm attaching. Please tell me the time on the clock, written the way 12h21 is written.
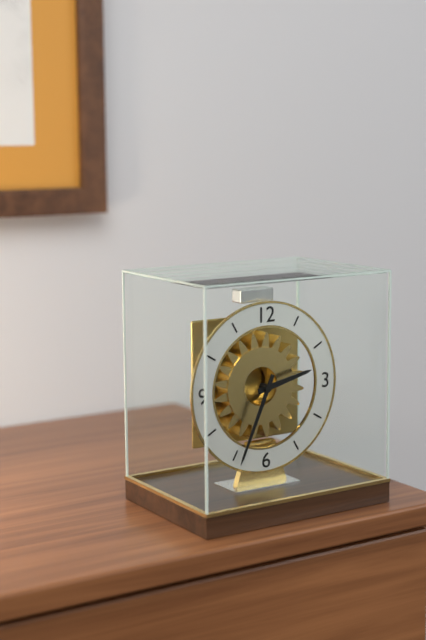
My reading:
2h34
